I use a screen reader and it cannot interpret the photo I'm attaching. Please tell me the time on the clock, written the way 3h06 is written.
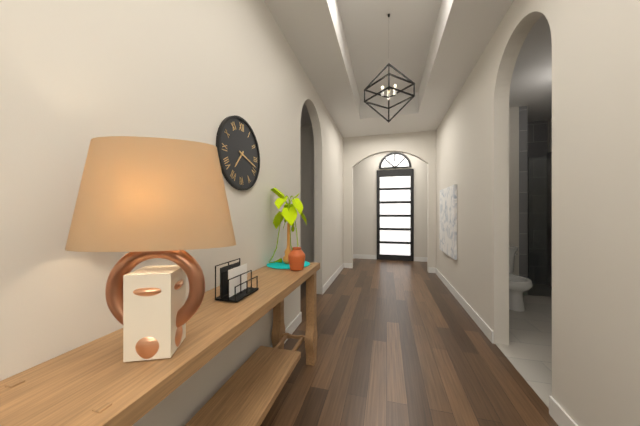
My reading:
7h18
